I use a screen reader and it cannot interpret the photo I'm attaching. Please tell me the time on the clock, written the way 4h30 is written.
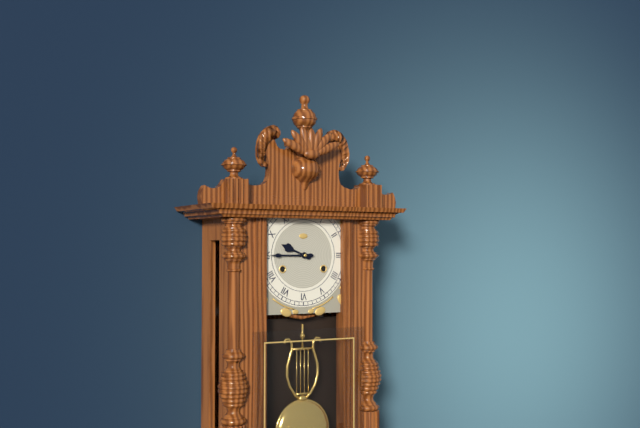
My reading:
9h45
